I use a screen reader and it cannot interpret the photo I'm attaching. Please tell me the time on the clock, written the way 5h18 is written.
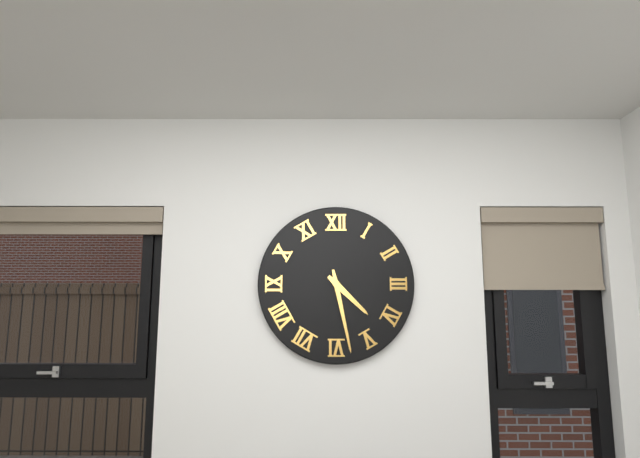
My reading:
4h28
